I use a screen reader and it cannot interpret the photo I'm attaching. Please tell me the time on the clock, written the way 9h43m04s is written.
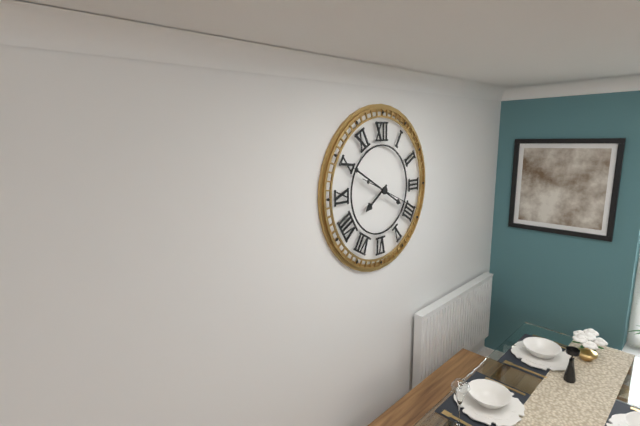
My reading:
7h50m19s
